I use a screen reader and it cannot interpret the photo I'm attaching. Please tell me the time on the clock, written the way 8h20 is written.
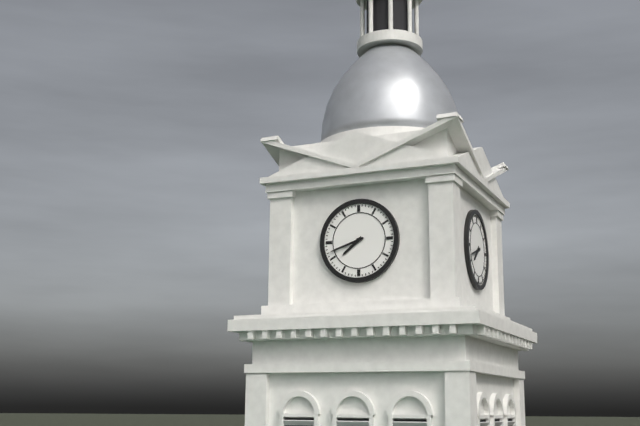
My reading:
7h42
